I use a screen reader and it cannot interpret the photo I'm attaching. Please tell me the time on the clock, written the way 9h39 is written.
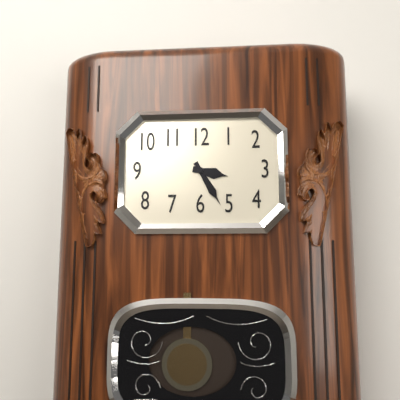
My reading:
3h25
